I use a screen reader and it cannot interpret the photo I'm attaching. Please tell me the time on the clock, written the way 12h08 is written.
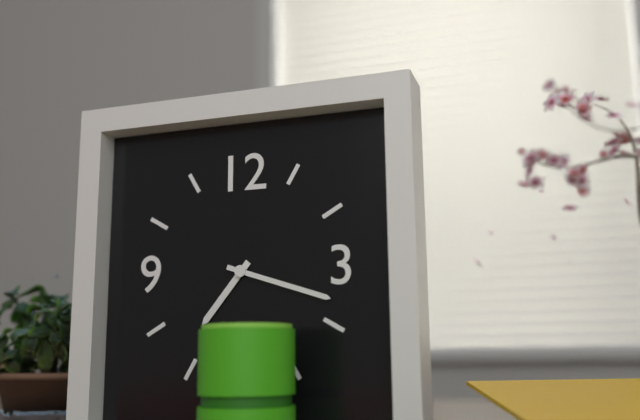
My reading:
7h18
